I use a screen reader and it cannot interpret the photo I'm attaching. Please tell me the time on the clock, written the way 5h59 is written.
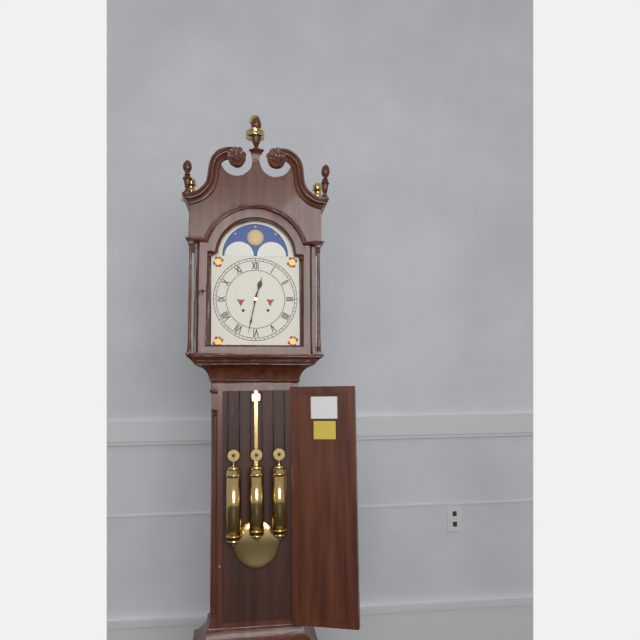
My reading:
12h32
